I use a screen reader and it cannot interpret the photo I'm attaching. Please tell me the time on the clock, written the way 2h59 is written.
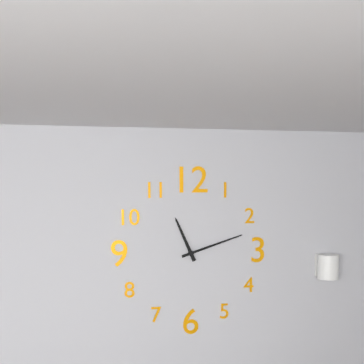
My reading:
11h12
